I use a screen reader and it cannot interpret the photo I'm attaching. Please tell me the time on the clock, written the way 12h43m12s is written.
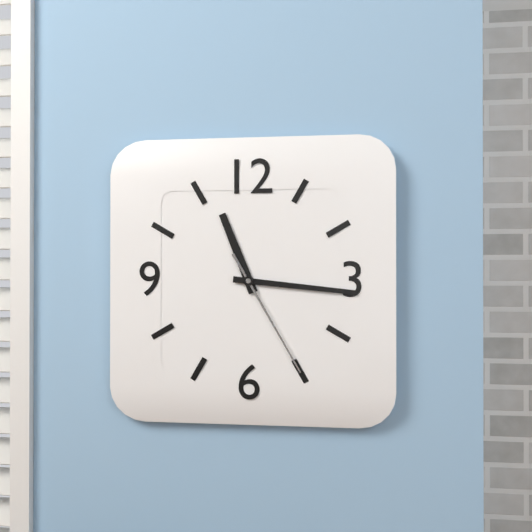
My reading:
11h16m25s
